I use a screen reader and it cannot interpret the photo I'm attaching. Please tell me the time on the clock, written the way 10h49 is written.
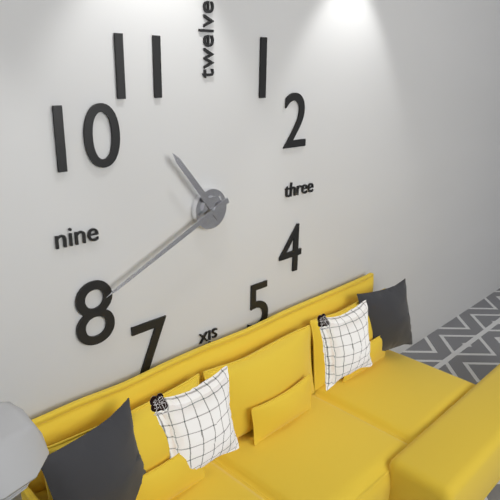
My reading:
10h41
